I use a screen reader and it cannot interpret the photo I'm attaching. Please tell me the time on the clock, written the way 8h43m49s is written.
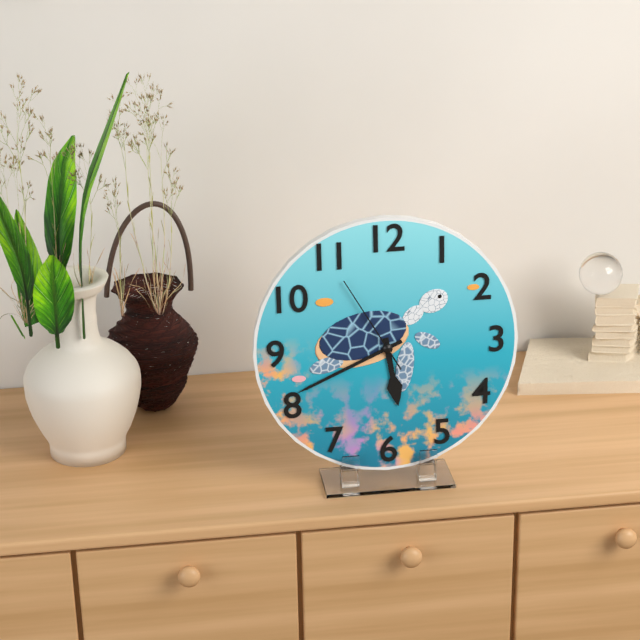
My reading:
5h41m55s
